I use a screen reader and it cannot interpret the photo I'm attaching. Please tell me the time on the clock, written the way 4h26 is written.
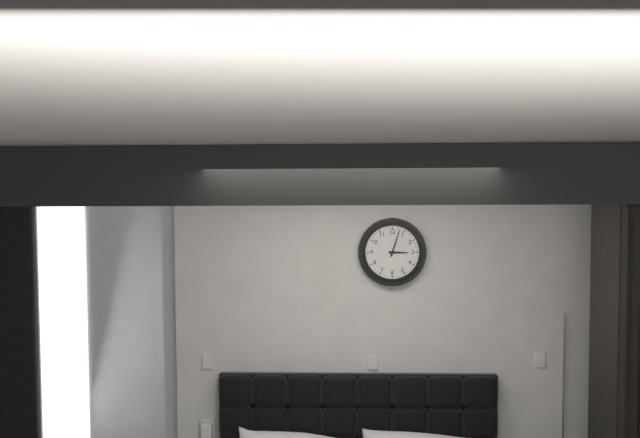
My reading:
3h03
